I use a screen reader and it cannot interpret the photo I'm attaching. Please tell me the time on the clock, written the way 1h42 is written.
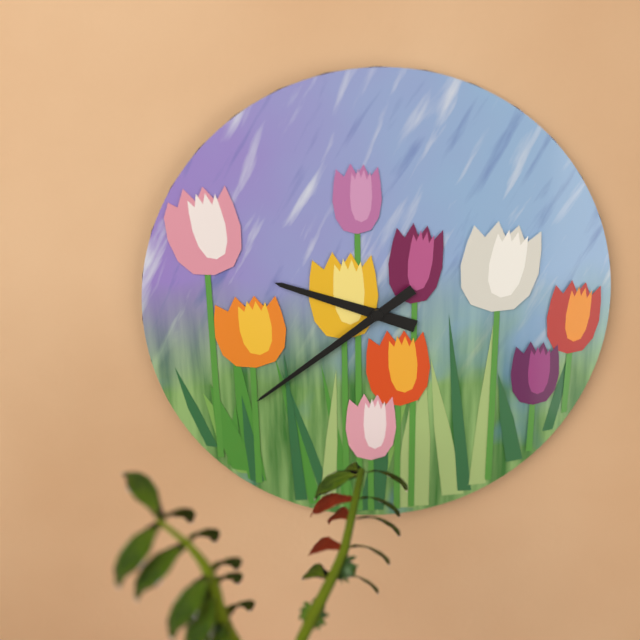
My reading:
9h39
